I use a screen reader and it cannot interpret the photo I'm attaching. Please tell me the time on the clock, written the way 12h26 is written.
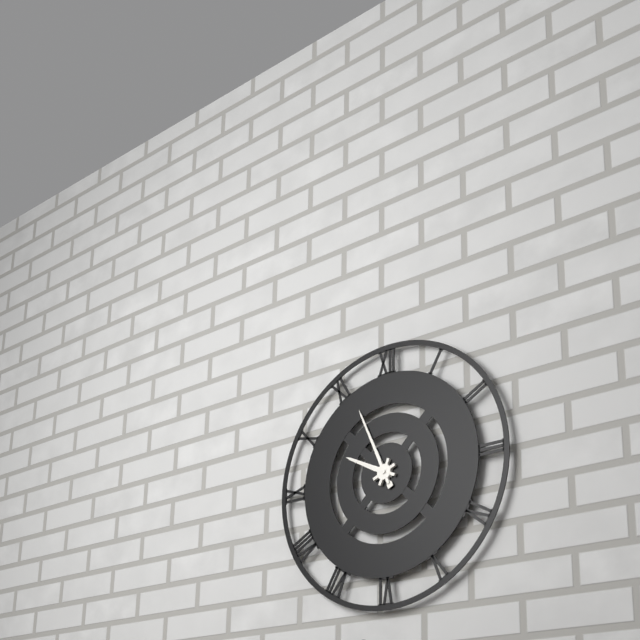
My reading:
9h56
